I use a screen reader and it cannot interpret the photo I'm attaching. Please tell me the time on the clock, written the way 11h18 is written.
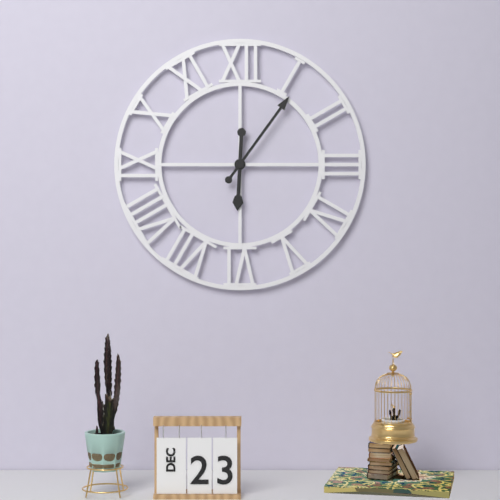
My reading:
6h06
